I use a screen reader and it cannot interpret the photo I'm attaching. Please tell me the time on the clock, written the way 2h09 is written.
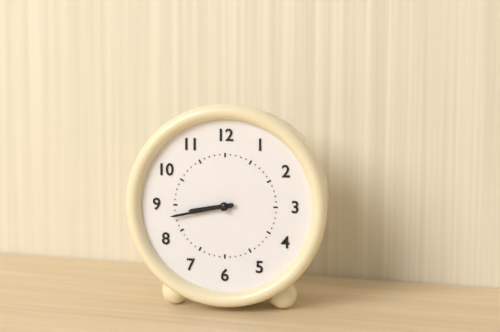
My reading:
8h43
